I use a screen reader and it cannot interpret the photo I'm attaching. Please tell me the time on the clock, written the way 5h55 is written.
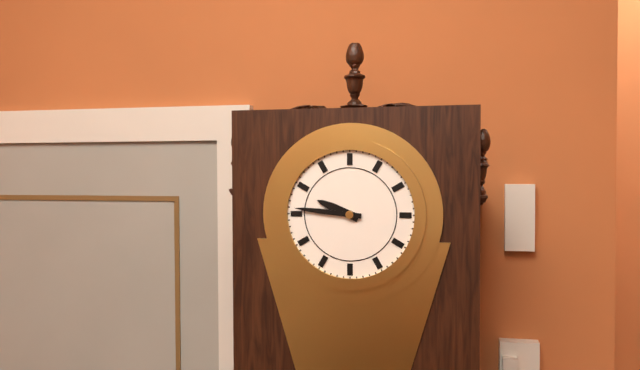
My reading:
9h46
